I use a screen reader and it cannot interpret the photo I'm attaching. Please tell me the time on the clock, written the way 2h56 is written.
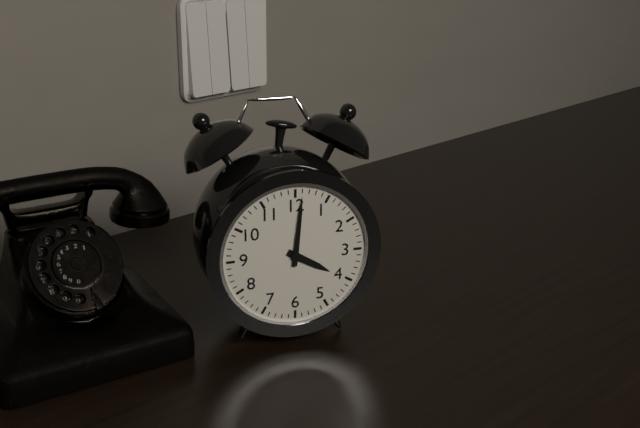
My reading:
4h01
